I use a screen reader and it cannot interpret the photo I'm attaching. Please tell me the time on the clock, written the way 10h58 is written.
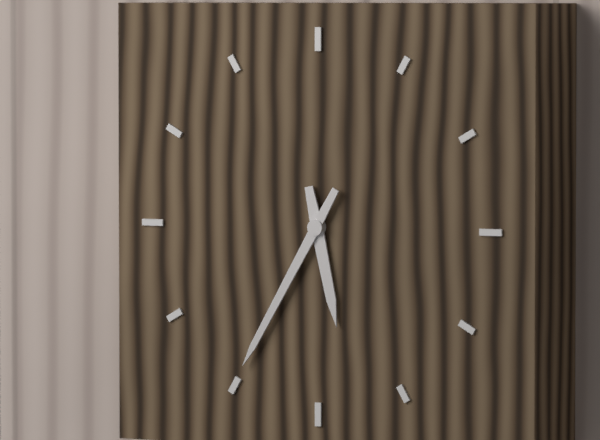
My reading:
5h35
